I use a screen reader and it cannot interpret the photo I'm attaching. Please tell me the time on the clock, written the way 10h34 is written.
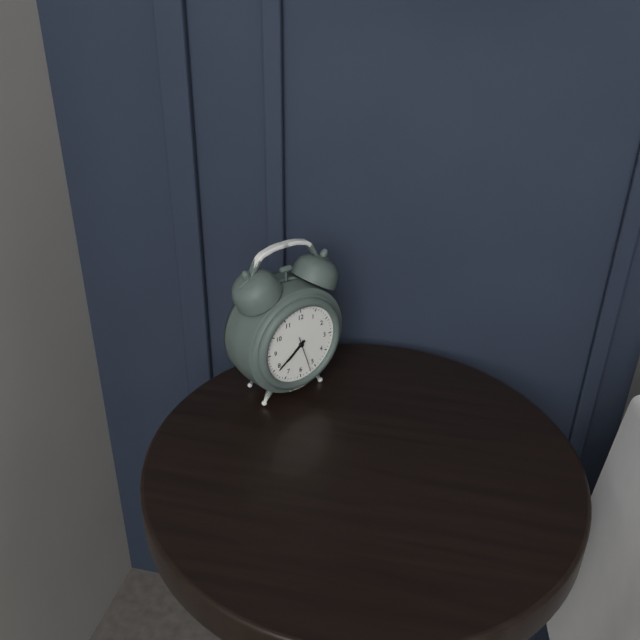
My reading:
7h39
